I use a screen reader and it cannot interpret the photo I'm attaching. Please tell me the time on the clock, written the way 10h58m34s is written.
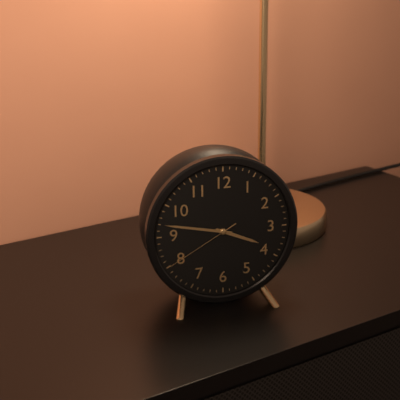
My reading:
3h47m40s
